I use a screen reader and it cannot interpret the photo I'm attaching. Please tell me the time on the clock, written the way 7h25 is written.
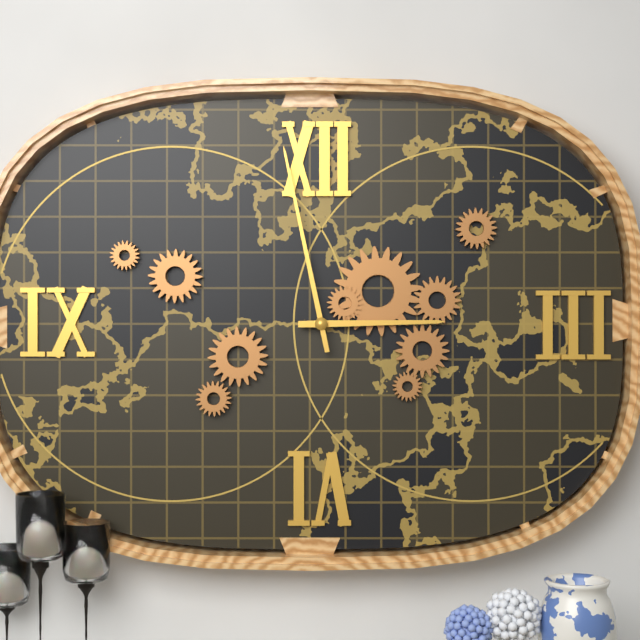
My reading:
2h58
